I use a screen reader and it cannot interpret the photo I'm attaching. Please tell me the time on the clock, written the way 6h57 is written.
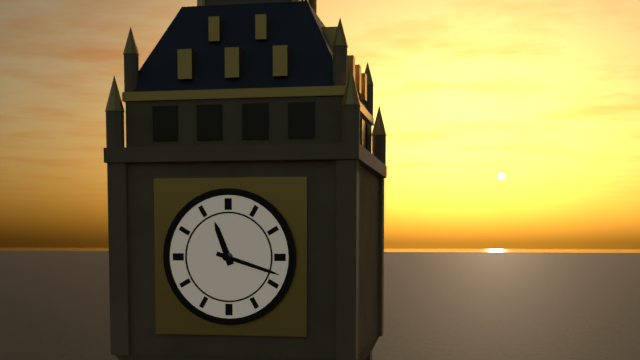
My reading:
11h18
